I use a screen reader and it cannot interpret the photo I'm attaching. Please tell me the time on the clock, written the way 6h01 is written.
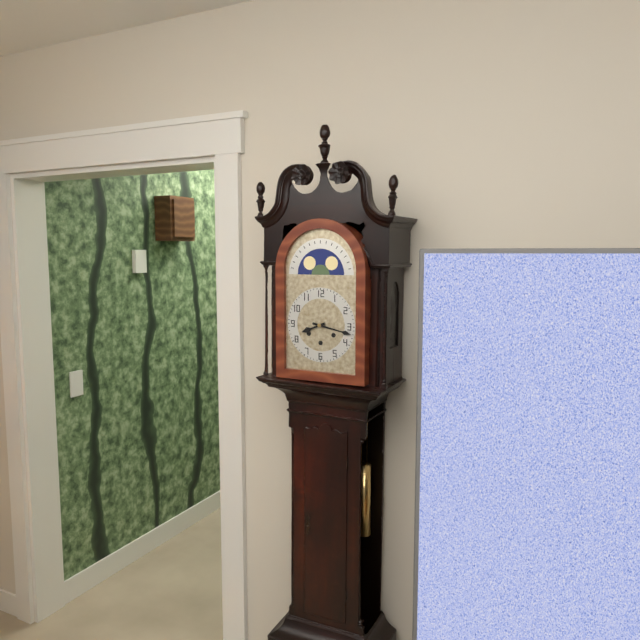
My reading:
8h17
